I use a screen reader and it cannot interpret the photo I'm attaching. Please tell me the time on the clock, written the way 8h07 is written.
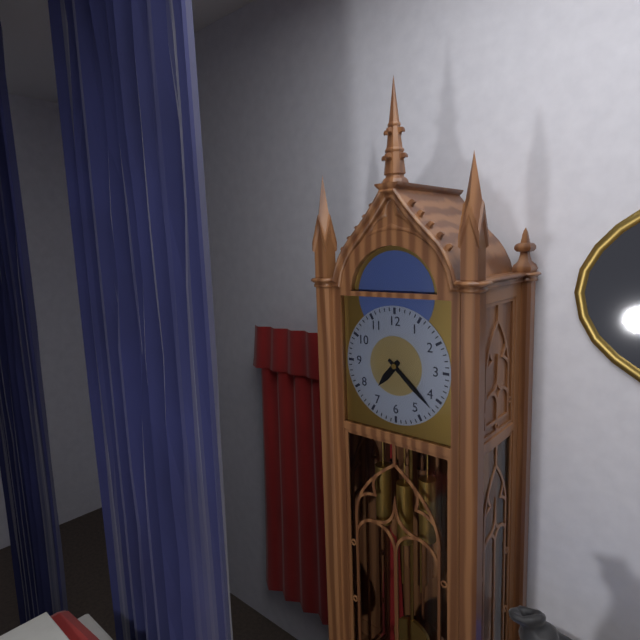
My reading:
7h22
